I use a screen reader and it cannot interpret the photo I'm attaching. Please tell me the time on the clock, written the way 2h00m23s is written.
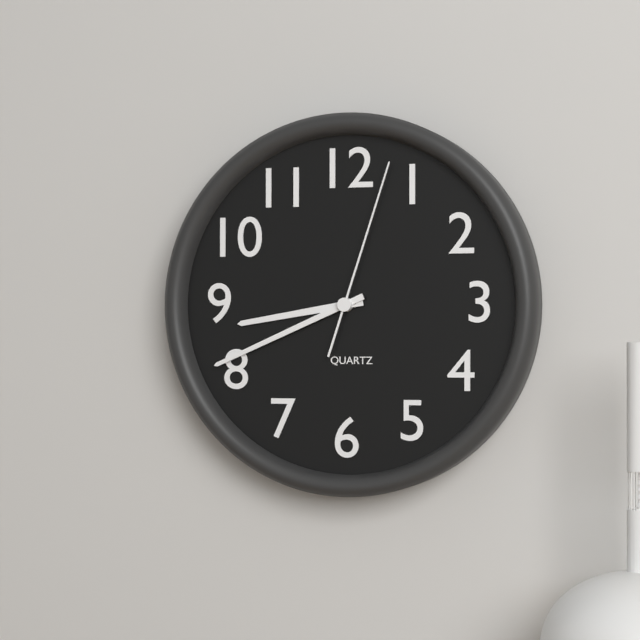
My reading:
8h41m03s
